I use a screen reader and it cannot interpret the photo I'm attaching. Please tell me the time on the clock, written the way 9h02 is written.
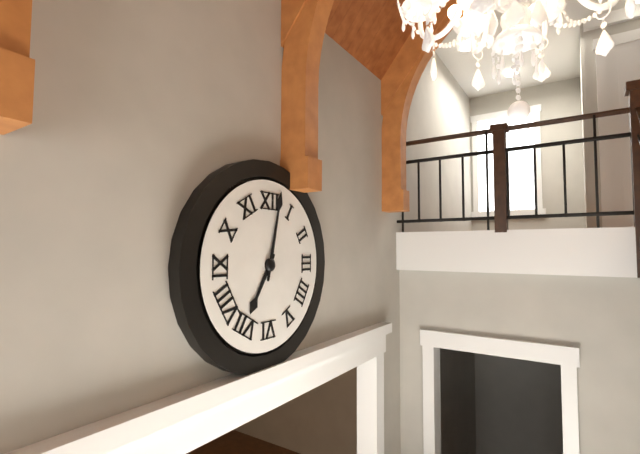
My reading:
7h02
